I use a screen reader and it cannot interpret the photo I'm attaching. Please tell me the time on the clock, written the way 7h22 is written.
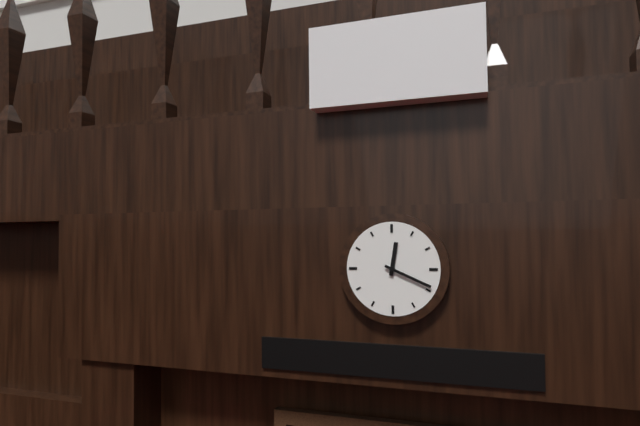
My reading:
12h19
